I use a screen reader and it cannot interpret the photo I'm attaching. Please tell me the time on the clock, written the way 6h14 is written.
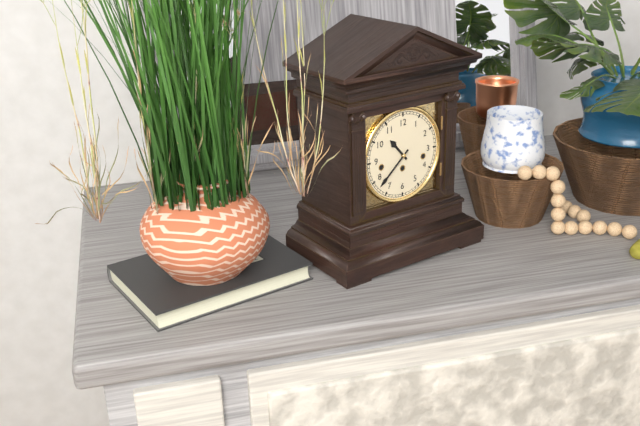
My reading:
10h38
